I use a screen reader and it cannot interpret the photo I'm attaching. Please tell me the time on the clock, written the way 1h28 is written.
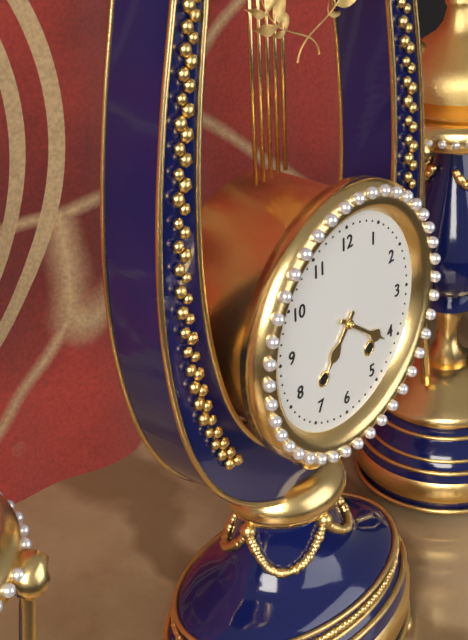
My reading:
7h21
